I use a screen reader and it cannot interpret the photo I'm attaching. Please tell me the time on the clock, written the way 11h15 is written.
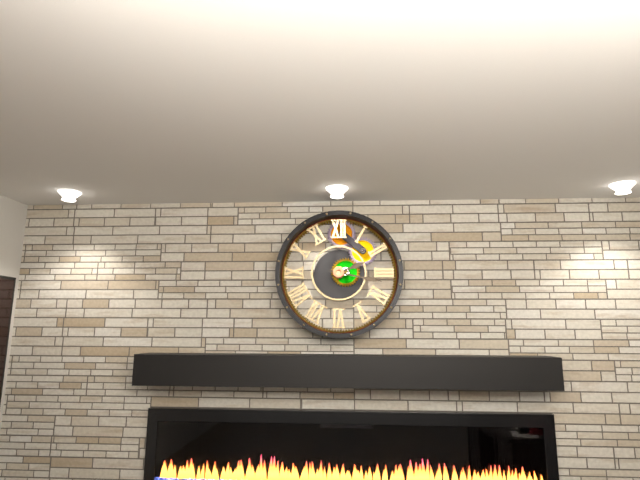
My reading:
2h17
